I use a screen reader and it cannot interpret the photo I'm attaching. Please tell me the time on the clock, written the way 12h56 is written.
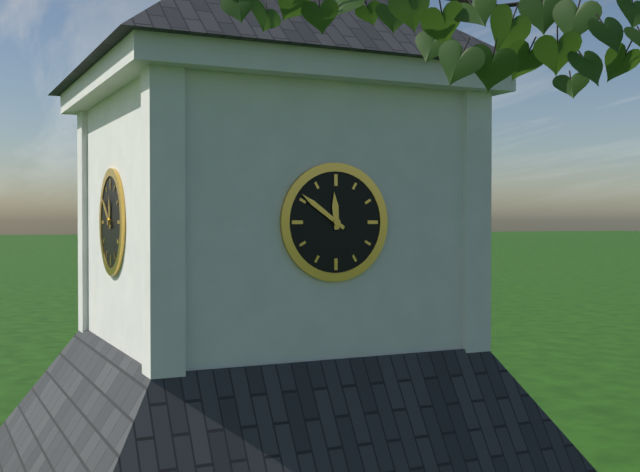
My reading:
11h51
